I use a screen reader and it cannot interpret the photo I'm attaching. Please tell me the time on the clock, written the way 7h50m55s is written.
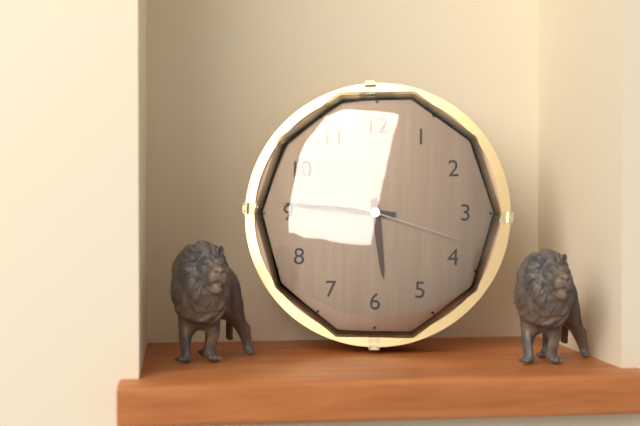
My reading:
5h46m18s
